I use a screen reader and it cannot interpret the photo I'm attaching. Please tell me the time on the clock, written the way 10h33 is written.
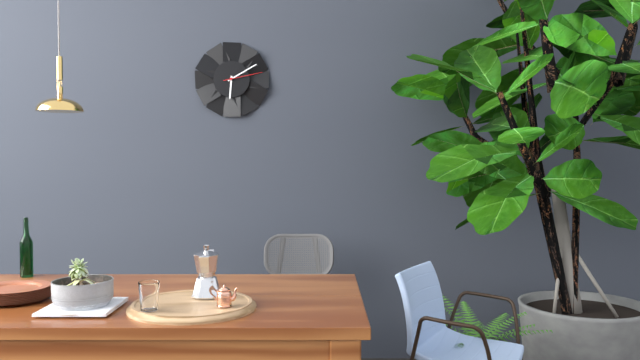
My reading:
6h10
